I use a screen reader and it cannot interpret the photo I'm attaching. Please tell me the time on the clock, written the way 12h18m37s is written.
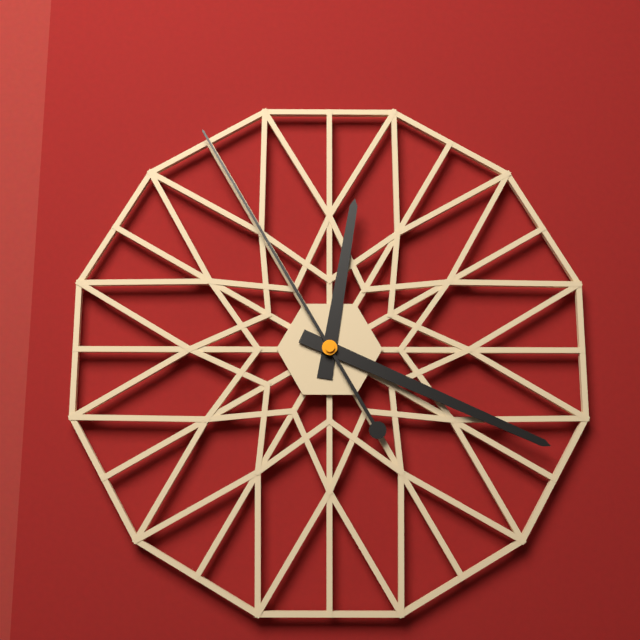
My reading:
12h19m55s
